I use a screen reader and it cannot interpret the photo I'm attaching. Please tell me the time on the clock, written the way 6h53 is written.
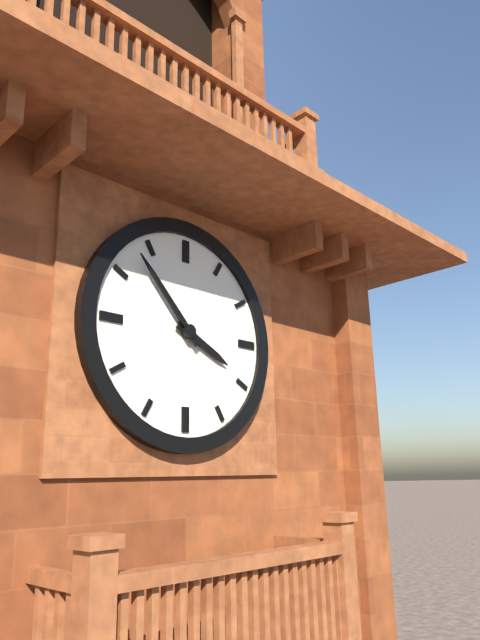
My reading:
3h53
